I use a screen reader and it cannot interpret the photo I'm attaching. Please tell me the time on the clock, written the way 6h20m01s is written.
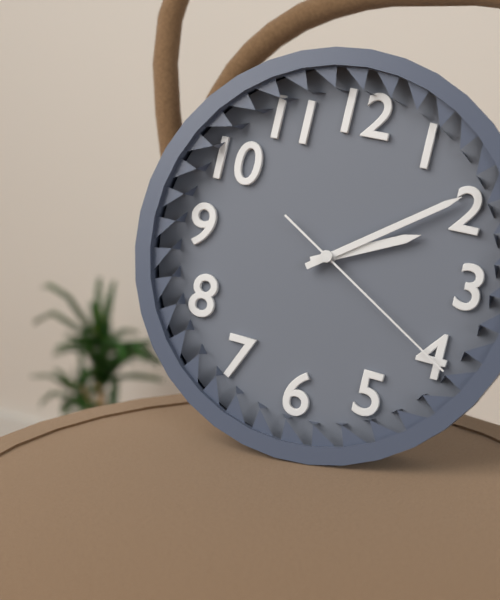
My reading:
2h09m20s
